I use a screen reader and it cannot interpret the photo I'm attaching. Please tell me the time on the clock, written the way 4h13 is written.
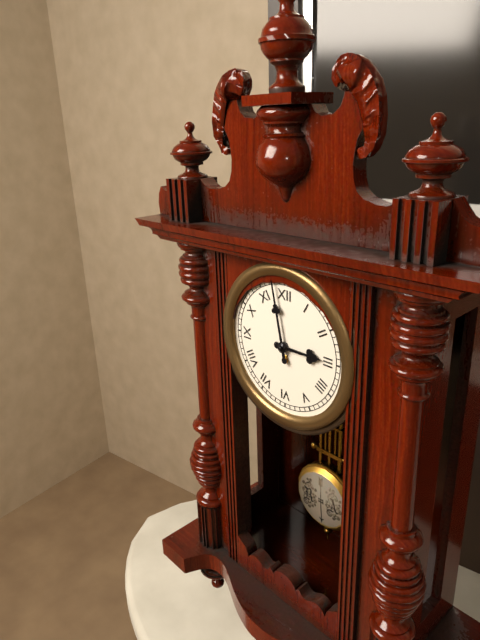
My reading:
2h58
